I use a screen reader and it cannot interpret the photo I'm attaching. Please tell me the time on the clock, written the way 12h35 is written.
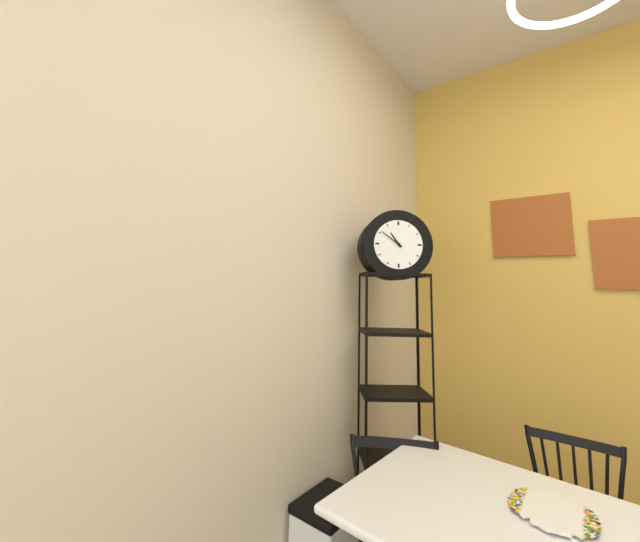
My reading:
10h51
